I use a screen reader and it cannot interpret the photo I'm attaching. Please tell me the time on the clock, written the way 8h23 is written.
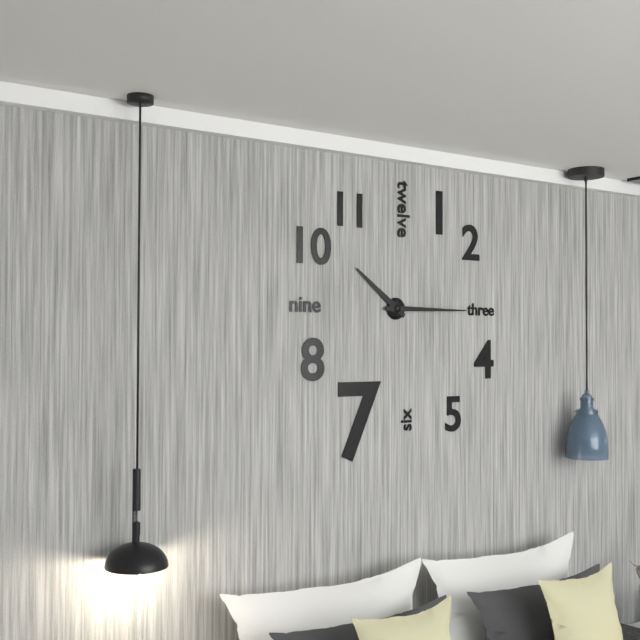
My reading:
10h15
